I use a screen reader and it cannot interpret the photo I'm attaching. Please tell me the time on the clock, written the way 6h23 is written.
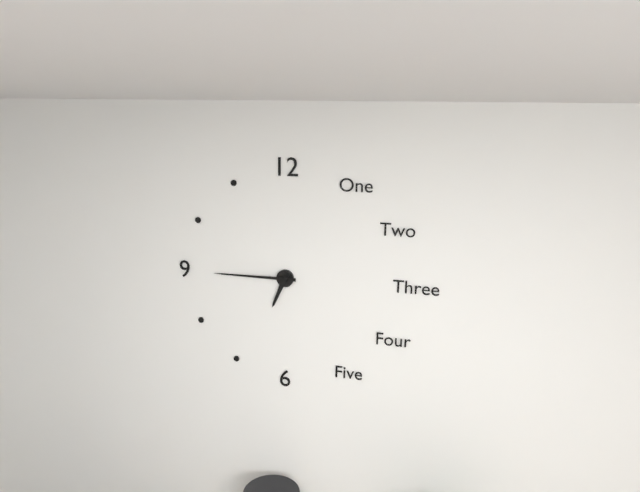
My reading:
6h45
